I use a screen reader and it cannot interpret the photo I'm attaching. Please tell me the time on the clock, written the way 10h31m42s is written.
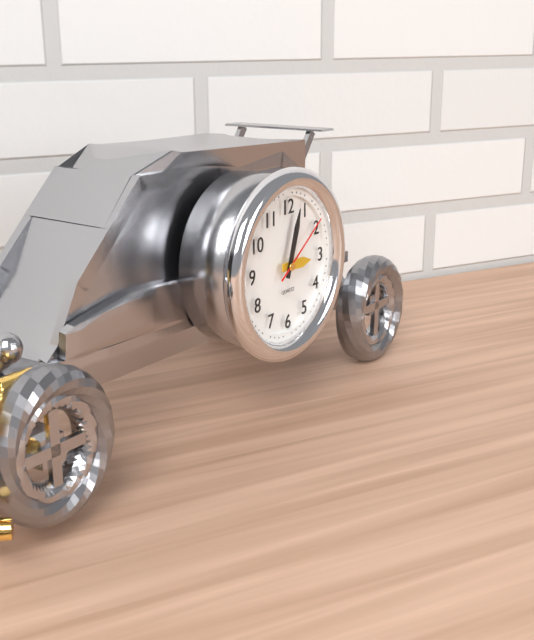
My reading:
3h03m09s
